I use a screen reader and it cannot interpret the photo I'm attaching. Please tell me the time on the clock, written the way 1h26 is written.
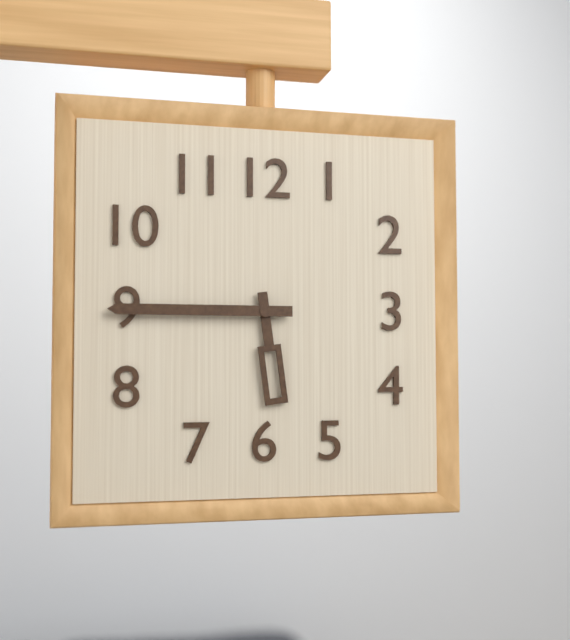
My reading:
5h45
